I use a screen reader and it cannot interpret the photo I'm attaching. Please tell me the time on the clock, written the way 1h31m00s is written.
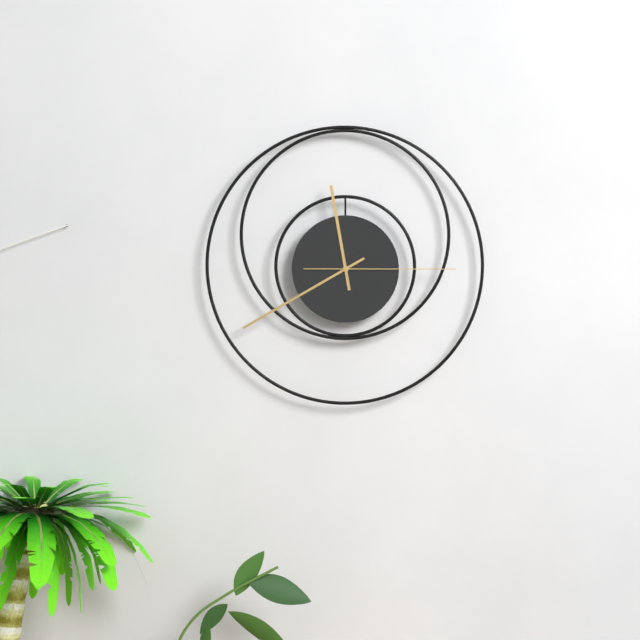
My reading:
11h40m15s
